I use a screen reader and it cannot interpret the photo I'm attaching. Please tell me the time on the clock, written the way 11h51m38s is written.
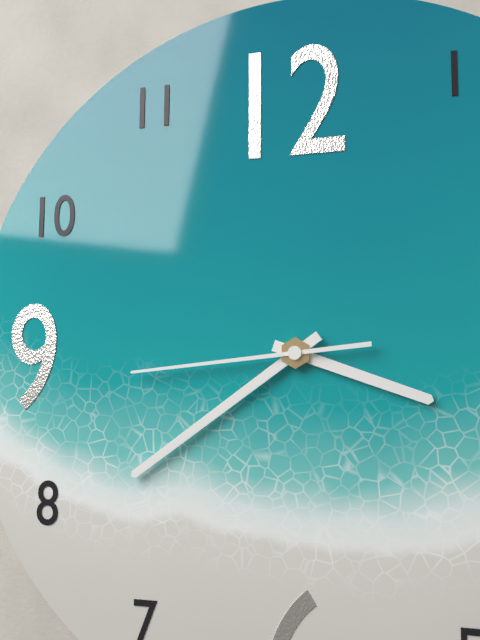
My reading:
3h39m44s
